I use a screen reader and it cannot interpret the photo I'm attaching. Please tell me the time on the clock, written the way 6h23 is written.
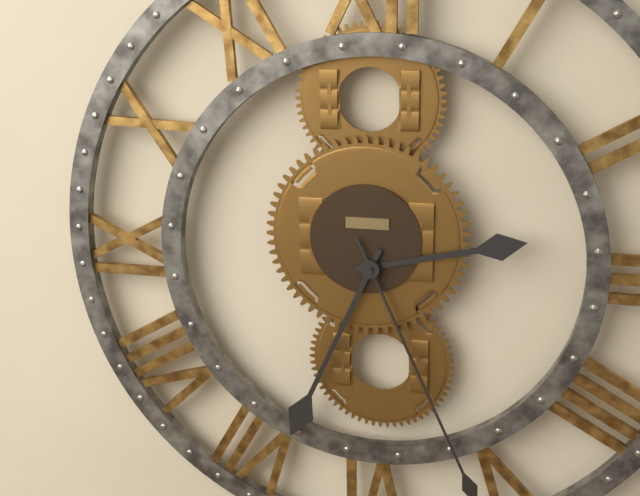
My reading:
2h34
